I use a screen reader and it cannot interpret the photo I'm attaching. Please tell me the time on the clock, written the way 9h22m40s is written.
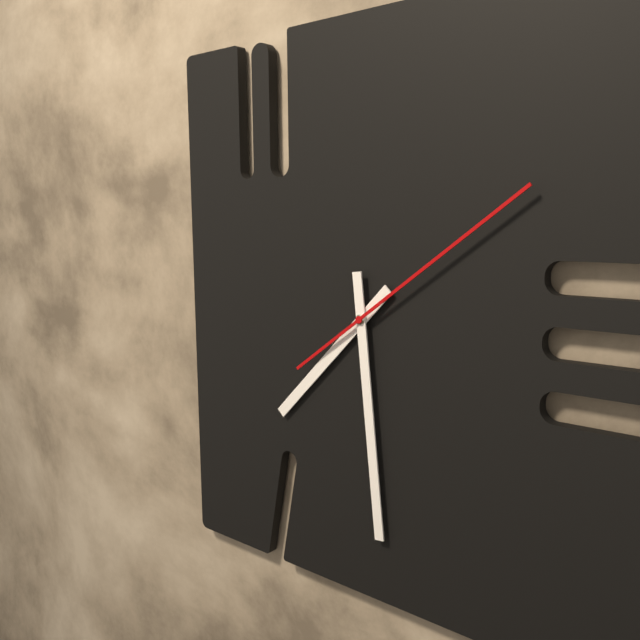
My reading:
7h29m09s
